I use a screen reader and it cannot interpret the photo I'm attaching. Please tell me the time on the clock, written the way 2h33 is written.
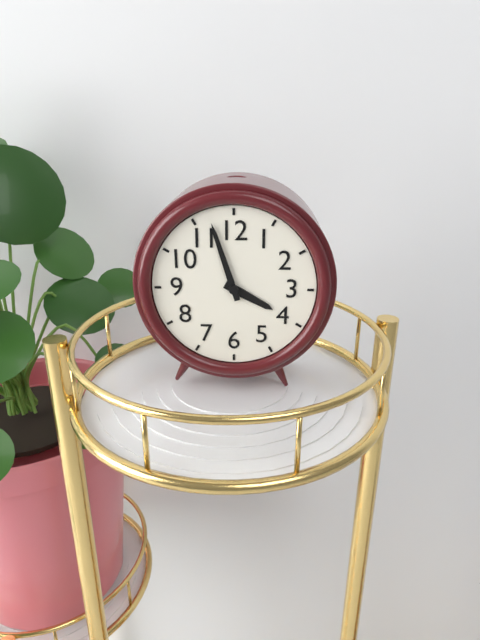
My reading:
3h57
